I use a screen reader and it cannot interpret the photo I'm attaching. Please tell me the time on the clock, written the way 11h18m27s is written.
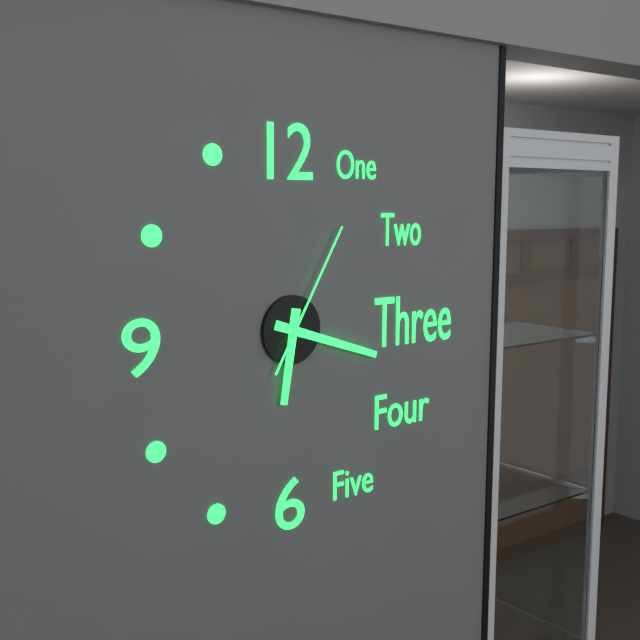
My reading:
6h18m05s
